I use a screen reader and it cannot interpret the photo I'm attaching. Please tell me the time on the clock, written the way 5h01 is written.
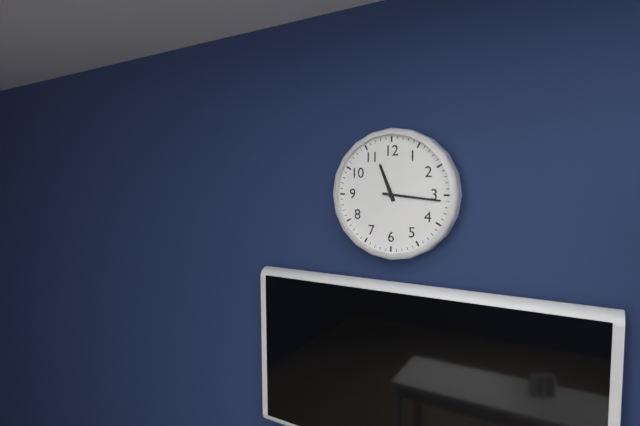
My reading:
11h16
